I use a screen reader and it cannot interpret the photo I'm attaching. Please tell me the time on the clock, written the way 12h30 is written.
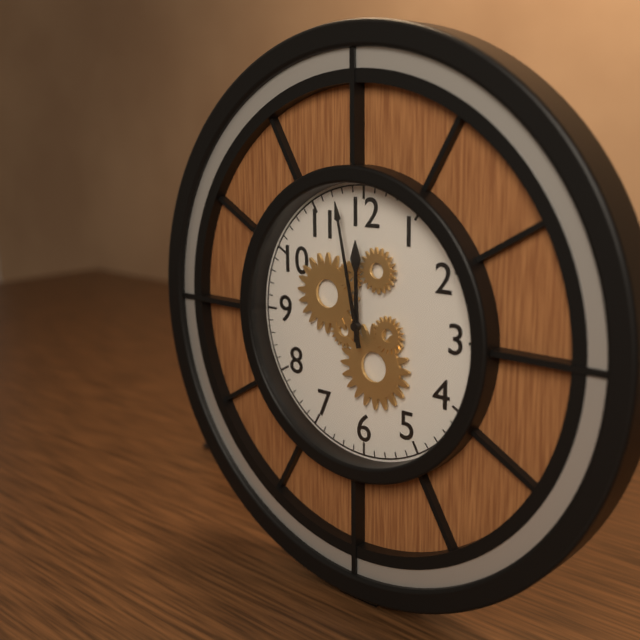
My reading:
11h58
